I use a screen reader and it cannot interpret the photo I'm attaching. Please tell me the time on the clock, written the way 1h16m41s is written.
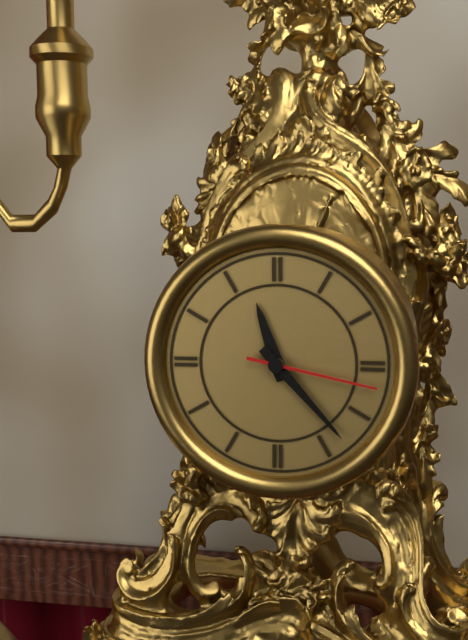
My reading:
11h23m17s
